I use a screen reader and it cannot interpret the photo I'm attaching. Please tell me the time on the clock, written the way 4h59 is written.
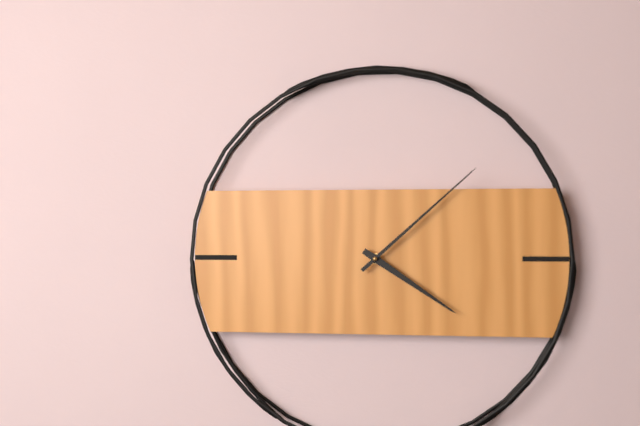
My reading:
4h08
